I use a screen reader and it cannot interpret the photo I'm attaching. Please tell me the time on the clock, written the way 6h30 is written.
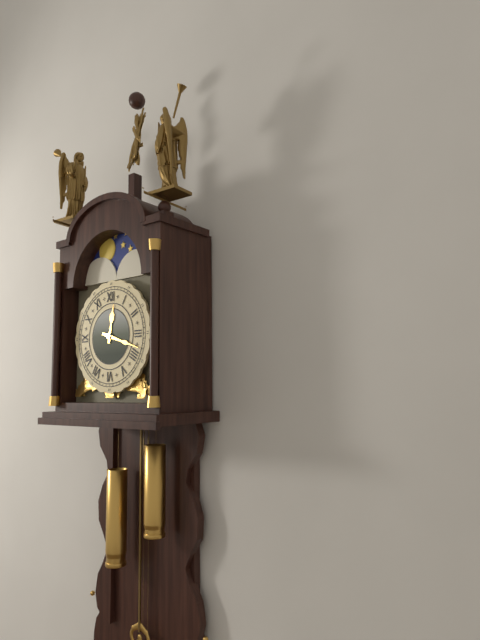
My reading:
12h18
